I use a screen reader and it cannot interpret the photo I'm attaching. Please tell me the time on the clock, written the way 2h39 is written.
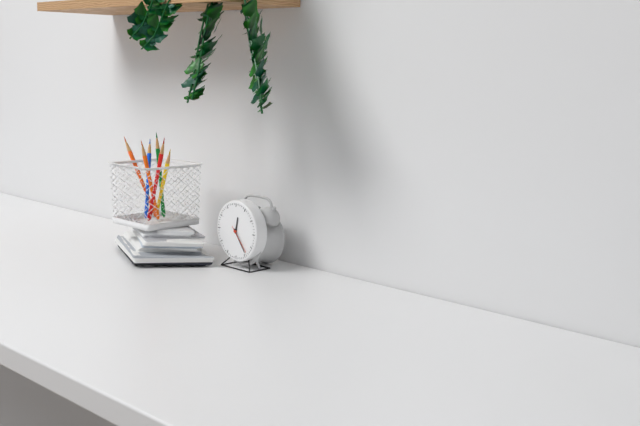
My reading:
12h24
